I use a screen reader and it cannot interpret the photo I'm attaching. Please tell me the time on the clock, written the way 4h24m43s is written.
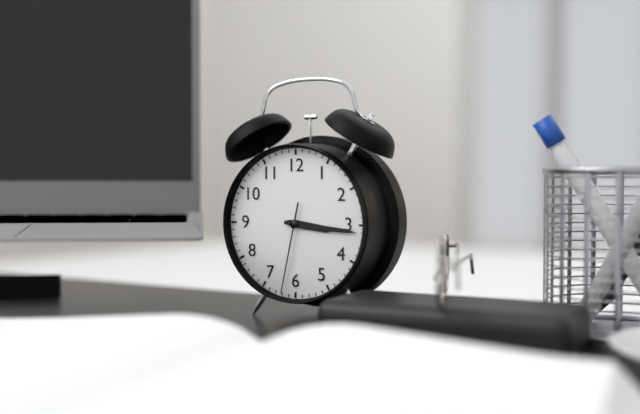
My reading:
3h16m32s
